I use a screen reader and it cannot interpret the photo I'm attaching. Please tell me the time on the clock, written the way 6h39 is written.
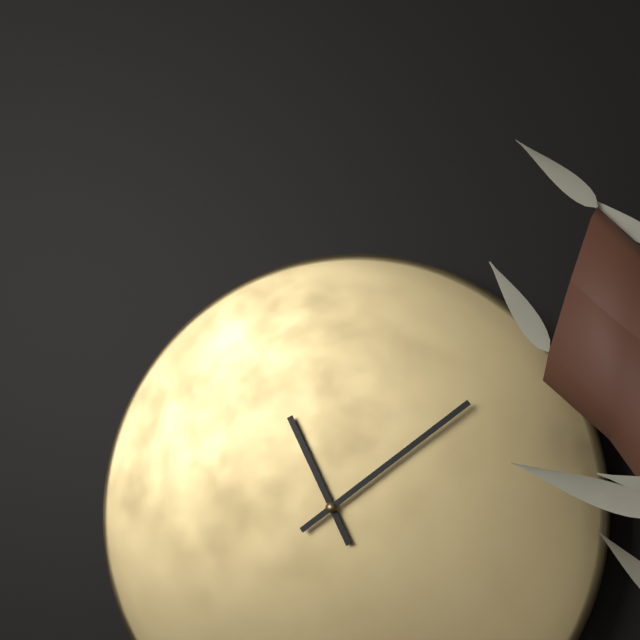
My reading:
11h09
